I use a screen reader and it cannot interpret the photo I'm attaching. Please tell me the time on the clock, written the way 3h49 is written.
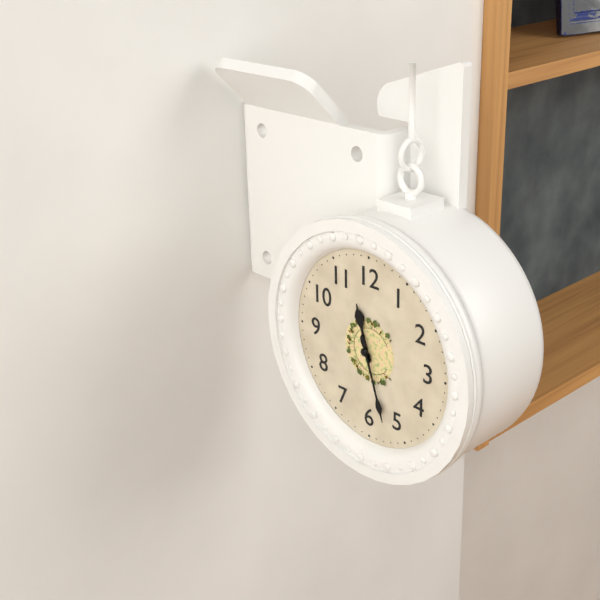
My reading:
11h27
